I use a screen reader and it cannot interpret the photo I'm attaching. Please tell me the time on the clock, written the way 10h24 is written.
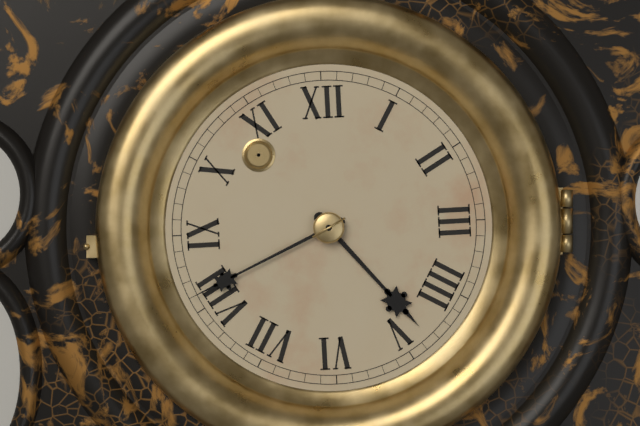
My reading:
4h41
